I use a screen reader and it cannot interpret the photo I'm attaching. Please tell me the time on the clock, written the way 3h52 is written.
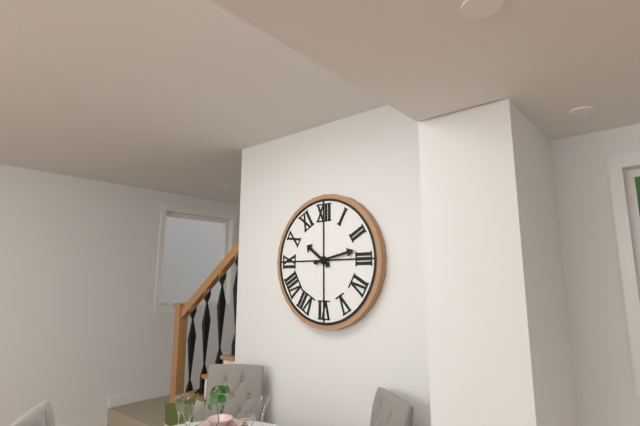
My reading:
10h13
